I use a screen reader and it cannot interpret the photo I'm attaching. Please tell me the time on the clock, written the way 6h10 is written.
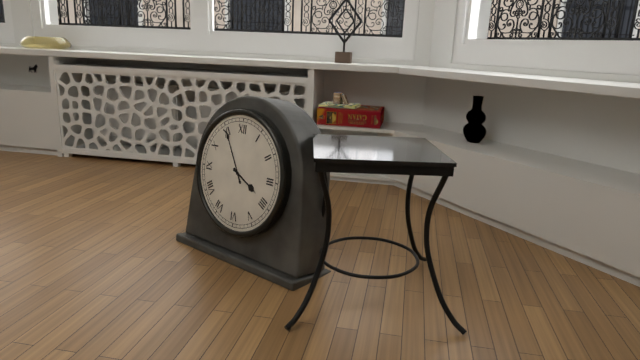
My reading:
3h55
